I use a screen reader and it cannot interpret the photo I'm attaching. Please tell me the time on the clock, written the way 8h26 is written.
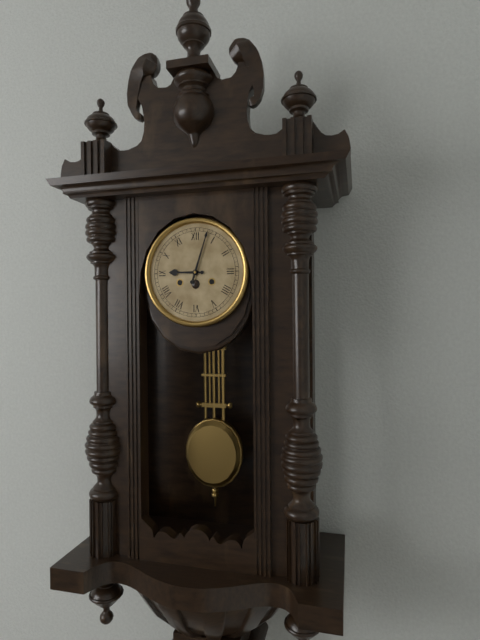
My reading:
9h03
